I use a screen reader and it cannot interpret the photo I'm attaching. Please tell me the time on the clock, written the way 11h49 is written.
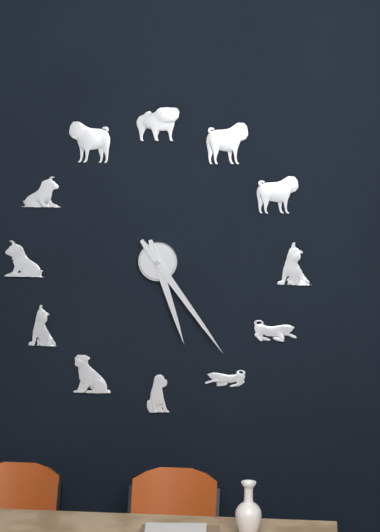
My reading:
5h24
